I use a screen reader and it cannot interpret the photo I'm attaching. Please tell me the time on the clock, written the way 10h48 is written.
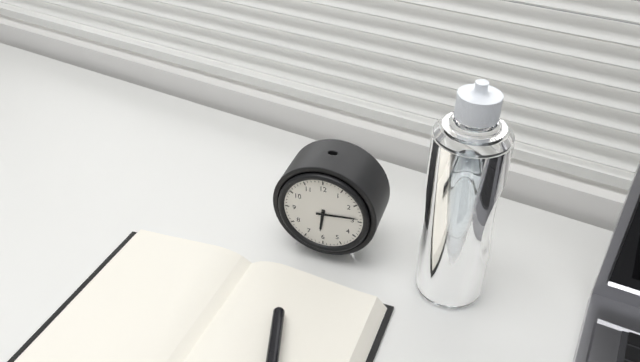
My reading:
6h14
